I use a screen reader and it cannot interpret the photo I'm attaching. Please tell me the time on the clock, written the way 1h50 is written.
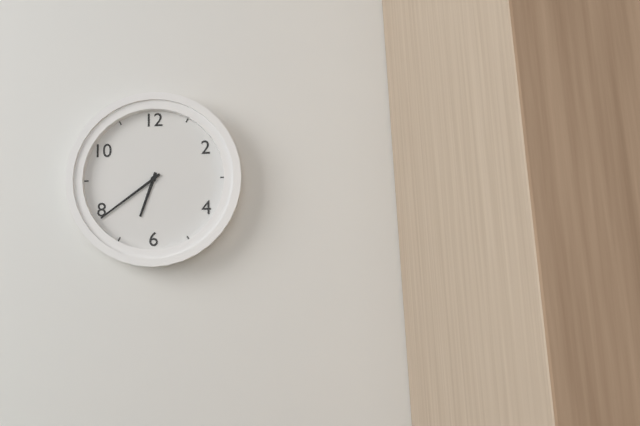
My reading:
6h39
